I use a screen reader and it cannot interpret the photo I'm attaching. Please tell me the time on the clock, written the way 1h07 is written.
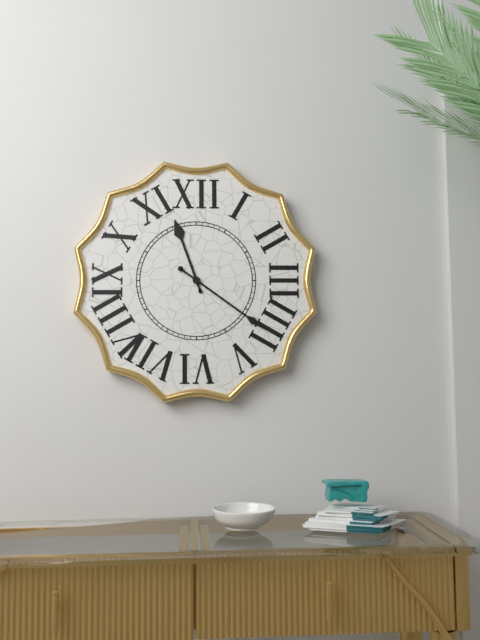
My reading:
11h21
